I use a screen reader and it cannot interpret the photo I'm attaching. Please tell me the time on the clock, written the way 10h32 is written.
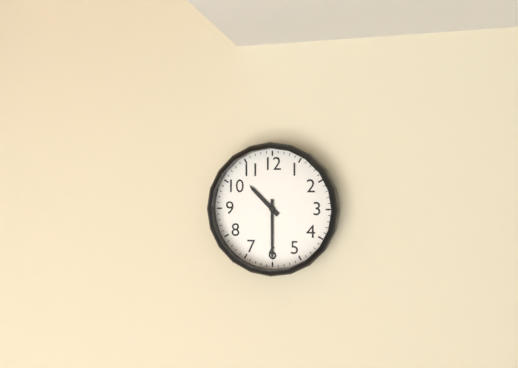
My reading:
10h30
